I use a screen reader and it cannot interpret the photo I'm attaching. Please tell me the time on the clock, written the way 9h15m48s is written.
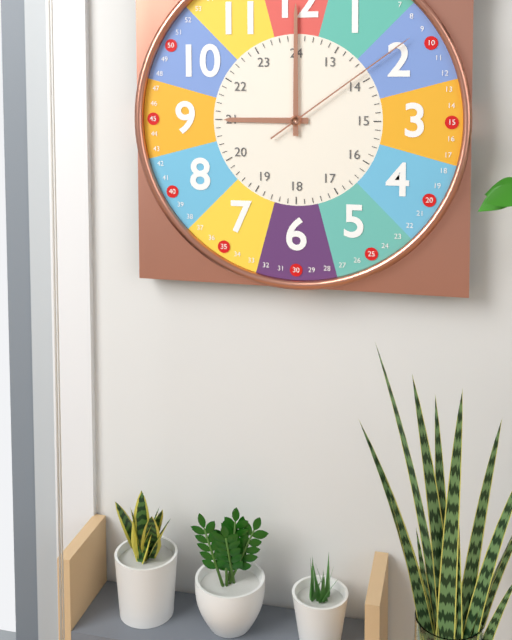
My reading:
9h00m09s
